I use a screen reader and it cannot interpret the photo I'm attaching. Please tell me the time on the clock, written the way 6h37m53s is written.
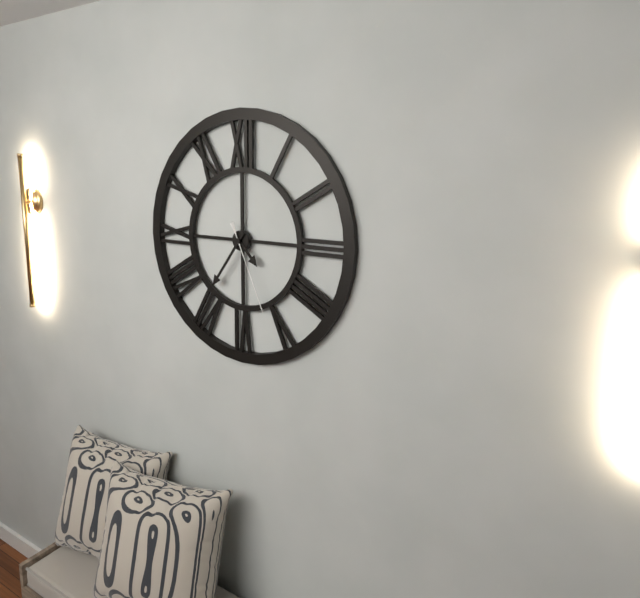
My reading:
4h36m26s
